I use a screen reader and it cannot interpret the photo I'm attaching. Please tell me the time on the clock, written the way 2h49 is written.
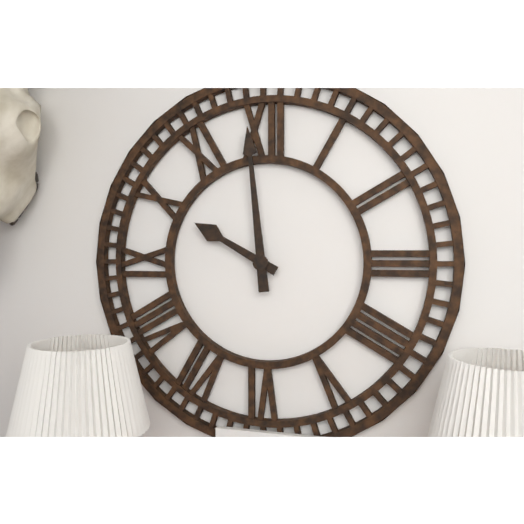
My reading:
9h59
